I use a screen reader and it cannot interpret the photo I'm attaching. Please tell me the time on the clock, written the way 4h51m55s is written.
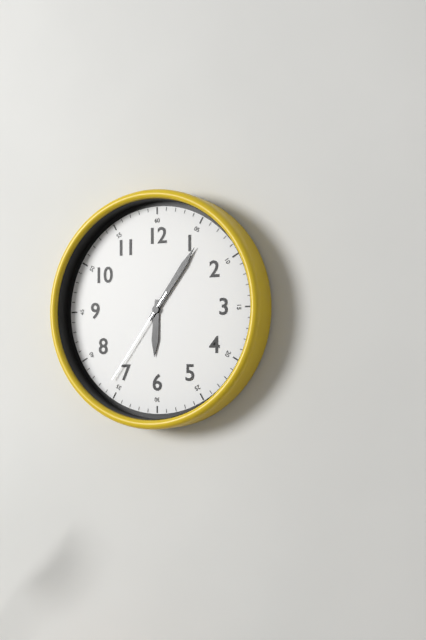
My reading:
6h06m36s
